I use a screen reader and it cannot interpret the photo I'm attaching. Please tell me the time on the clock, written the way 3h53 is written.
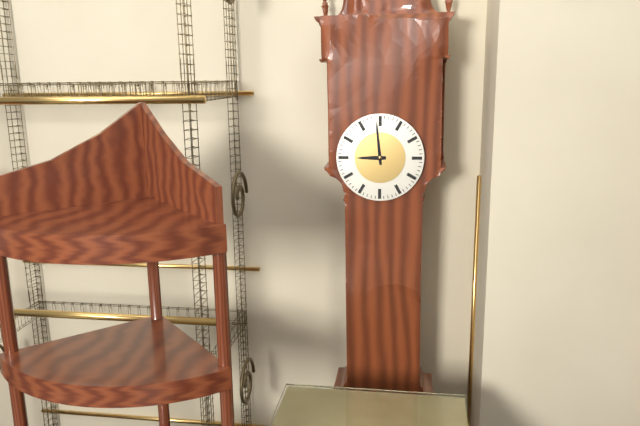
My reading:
8h59
